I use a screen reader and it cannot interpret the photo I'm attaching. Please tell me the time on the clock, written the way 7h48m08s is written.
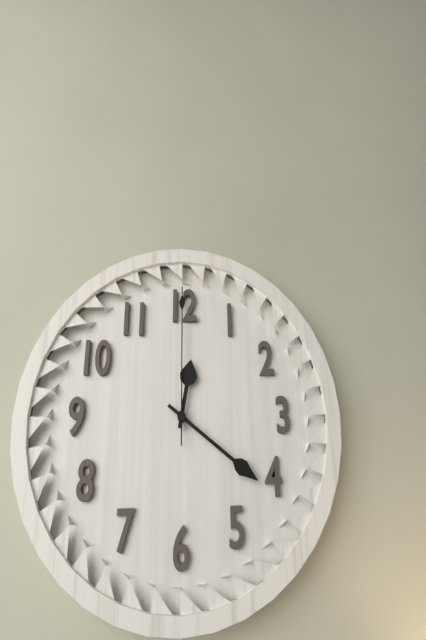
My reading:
12h21m00s
